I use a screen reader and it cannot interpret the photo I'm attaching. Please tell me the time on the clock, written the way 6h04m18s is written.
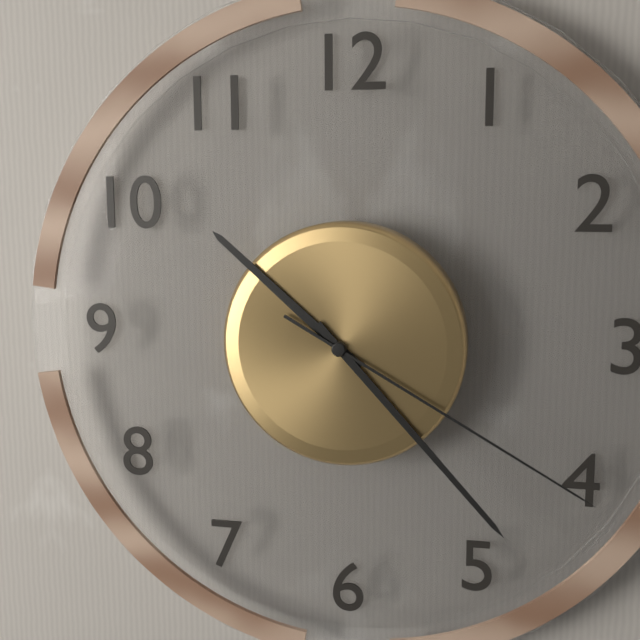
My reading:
10h23m20s
